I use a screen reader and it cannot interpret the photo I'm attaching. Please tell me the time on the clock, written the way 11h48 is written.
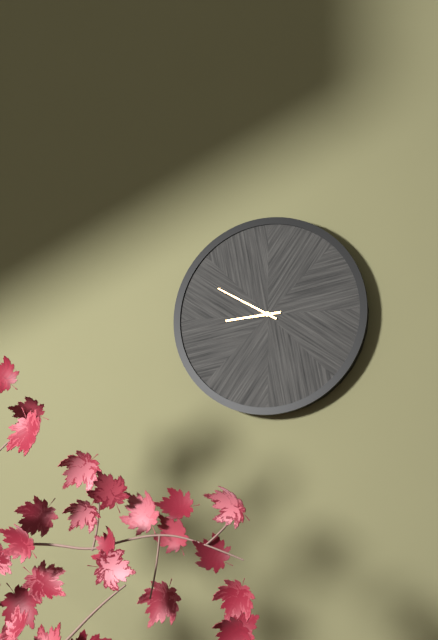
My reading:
8h50
